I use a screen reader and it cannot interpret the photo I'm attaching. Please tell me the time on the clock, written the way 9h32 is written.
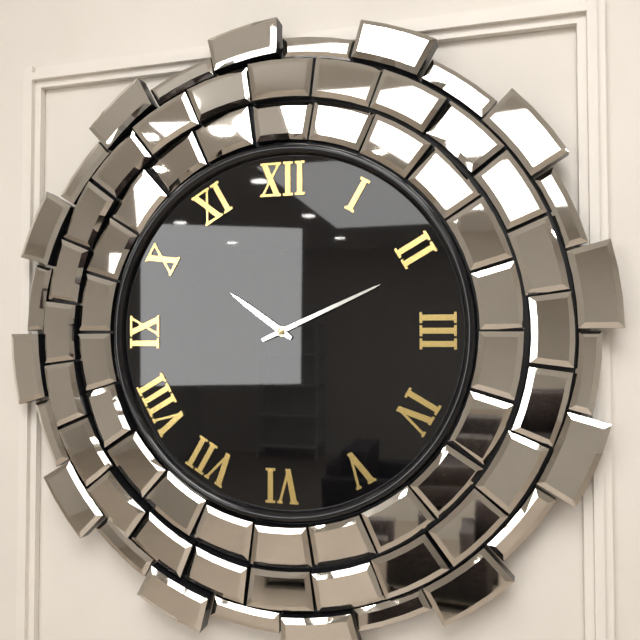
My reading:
10h11
